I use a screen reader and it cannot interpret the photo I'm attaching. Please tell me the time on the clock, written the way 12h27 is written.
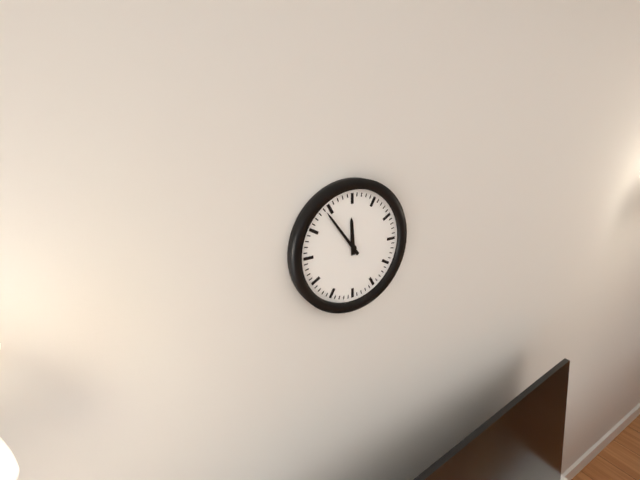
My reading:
11h54
